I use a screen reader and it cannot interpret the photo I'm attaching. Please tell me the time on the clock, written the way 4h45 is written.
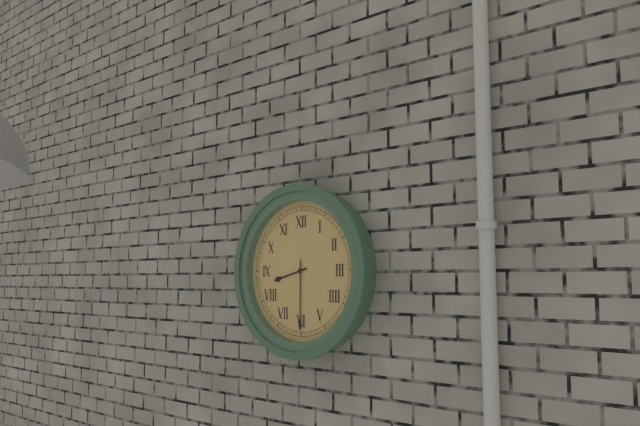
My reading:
8h30
